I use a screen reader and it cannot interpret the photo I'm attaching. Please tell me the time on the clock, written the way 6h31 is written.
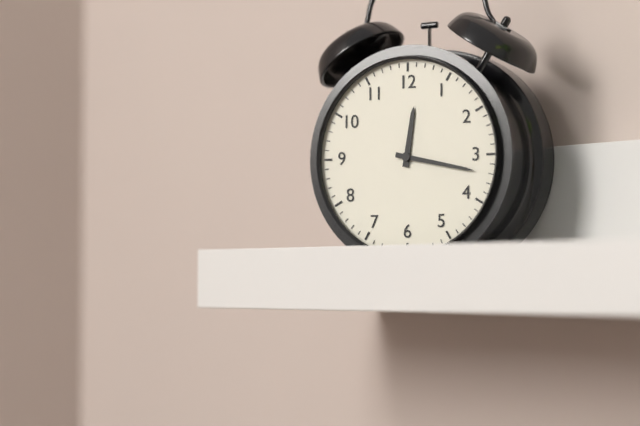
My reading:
12h17
